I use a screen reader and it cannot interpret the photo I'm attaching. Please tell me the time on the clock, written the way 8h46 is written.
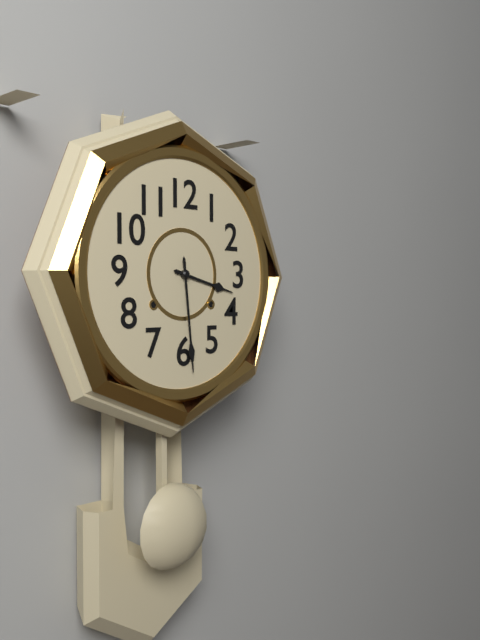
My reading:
3h29
